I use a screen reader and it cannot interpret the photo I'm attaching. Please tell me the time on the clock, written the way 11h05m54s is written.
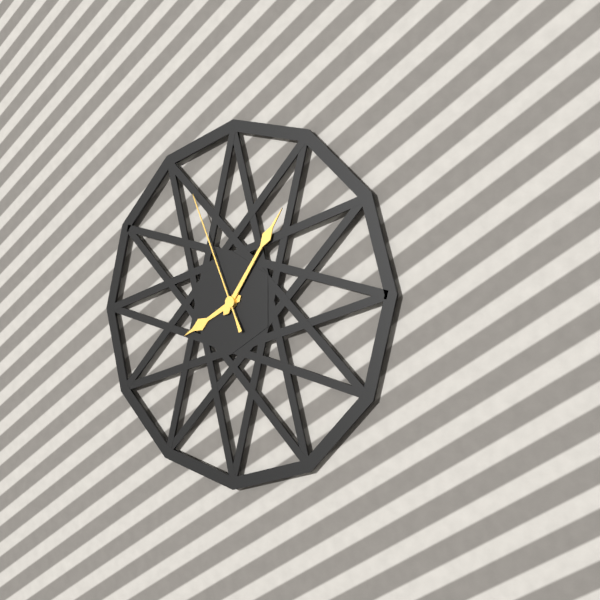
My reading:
8h06m56s
